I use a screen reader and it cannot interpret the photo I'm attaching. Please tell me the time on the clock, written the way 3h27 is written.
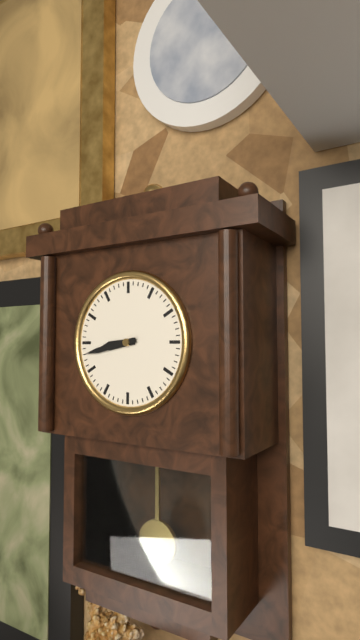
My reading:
8h43
